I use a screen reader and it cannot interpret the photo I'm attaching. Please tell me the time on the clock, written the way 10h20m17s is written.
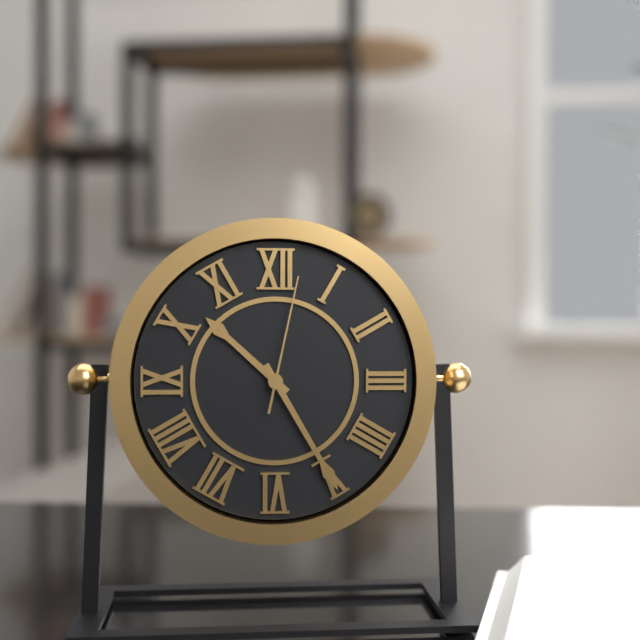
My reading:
10h25m02s
